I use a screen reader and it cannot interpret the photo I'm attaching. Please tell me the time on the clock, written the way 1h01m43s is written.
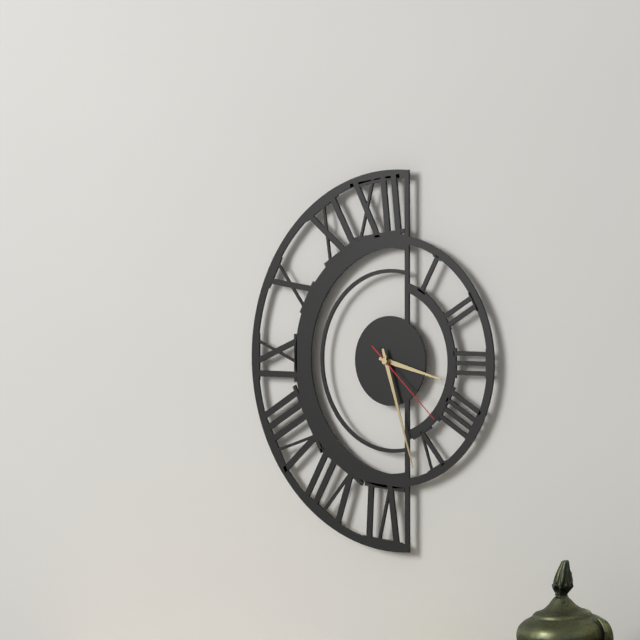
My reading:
3h27m22s
